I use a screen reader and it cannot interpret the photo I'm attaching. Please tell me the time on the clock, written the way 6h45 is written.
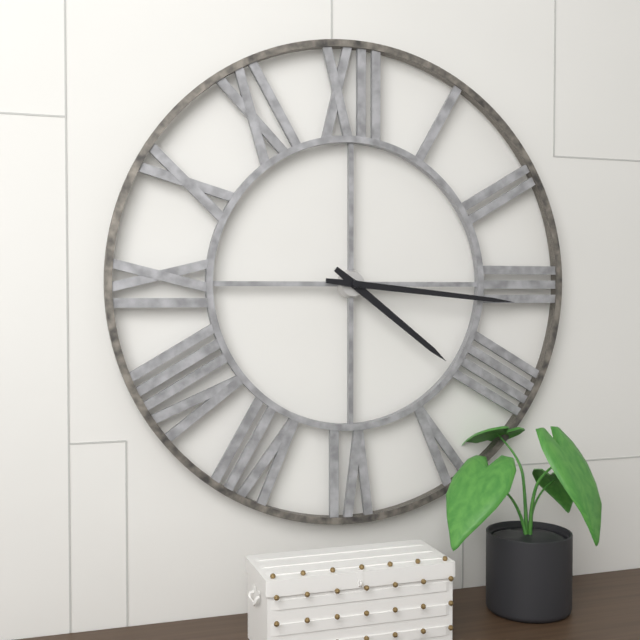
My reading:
4h16
